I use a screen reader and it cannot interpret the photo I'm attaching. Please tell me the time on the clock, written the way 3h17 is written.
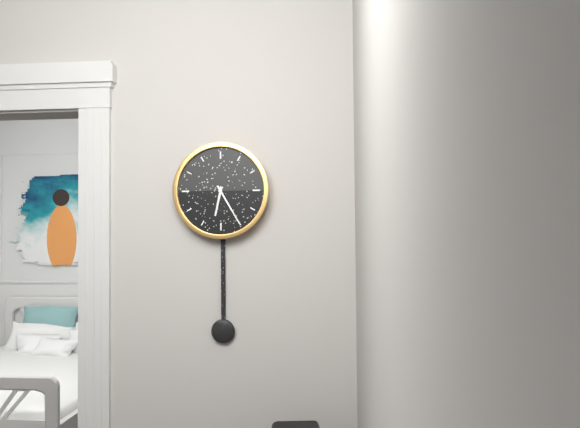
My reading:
6h25
